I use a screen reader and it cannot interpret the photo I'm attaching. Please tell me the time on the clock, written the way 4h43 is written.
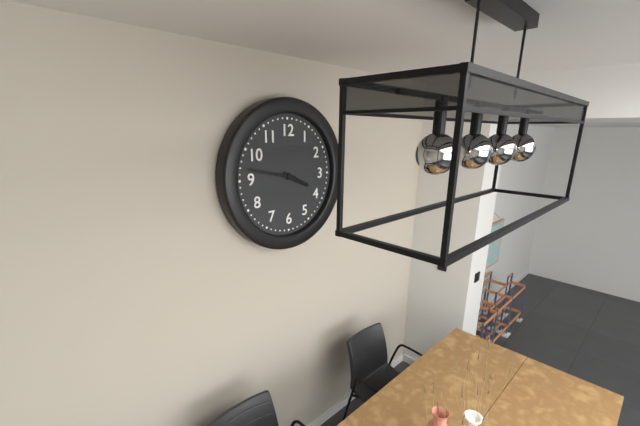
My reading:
3h47
